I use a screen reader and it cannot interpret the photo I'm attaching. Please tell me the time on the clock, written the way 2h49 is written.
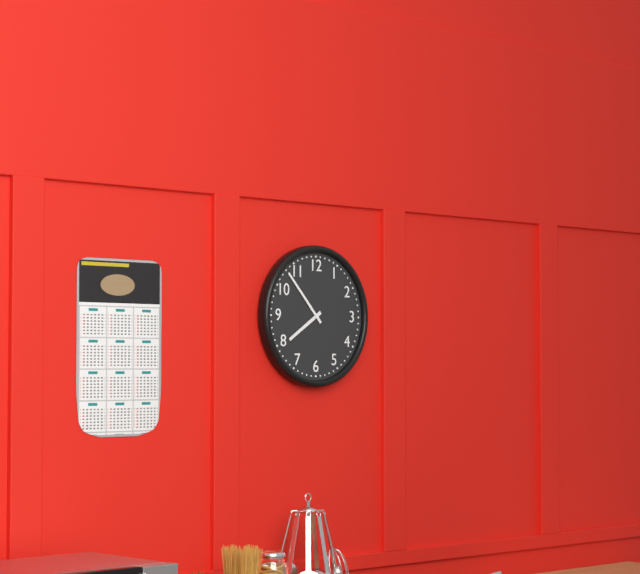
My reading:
7h53
